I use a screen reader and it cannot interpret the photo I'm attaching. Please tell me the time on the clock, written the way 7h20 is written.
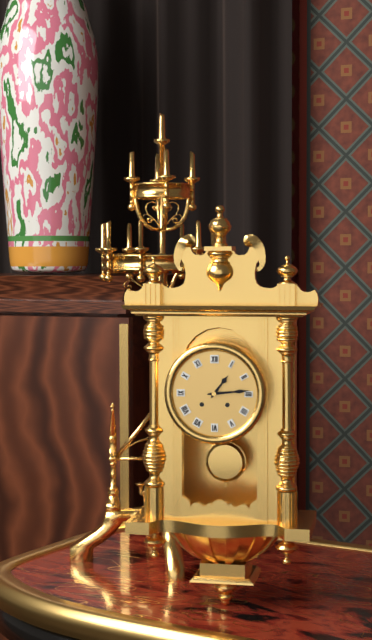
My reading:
1h14
